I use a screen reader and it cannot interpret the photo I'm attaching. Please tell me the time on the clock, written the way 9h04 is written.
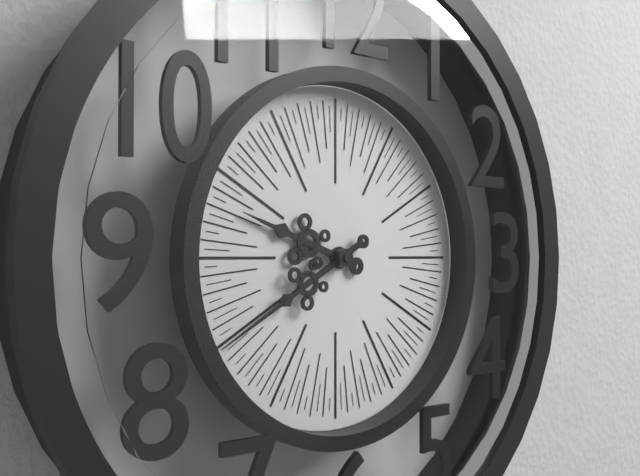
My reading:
9h40
